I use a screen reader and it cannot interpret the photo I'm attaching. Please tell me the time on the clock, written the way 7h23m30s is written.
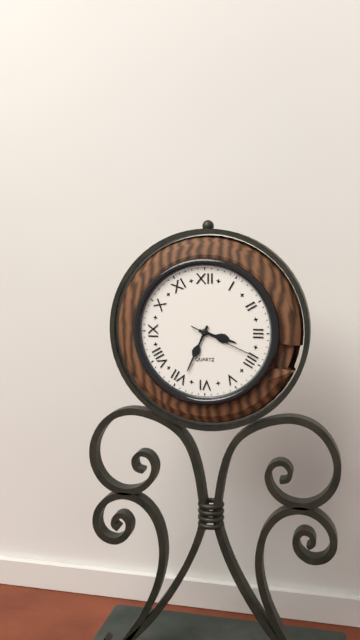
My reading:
3h34m19s
